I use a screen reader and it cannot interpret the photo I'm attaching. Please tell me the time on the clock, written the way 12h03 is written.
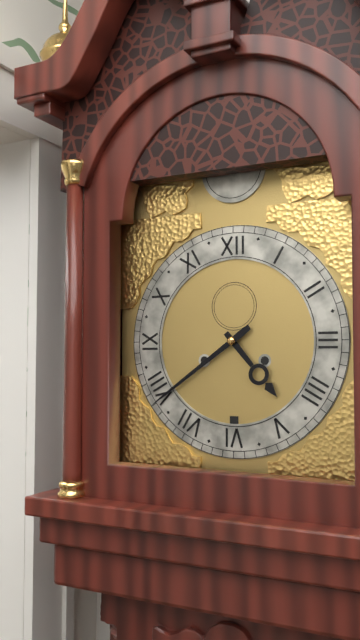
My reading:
4h39
